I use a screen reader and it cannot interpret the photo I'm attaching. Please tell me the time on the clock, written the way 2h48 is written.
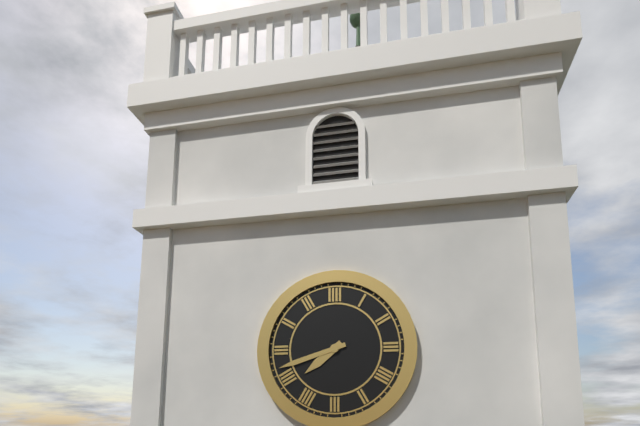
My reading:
7h42
